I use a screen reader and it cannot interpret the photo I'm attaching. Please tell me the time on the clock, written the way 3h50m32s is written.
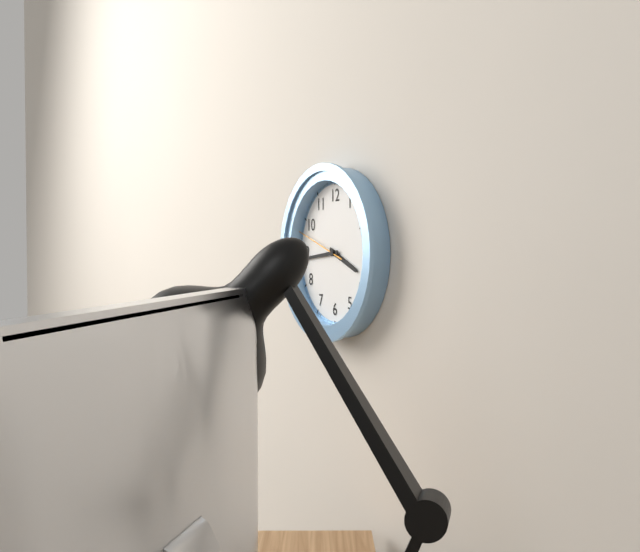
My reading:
3h44m48s
